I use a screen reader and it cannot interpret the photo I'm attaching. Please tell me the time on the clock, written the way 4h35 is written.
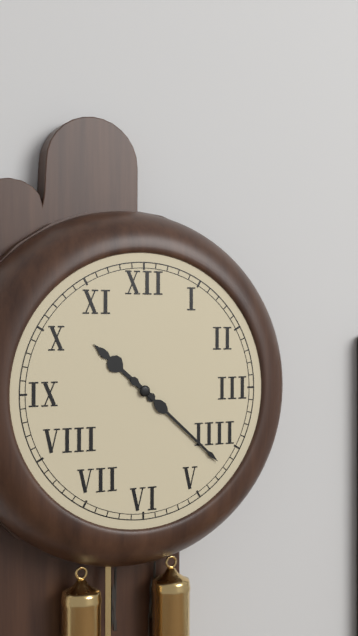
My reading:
10h22
